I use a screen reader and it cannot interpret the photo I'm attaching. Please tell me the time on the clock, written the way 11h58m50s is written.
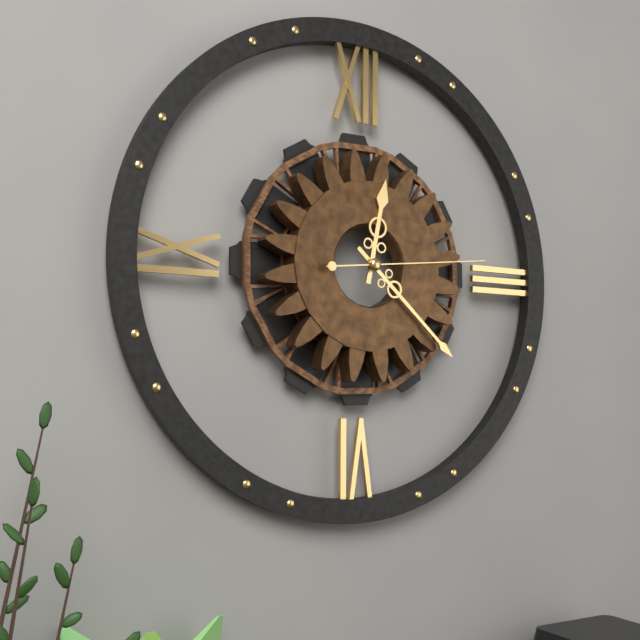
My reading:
12h22m14s
